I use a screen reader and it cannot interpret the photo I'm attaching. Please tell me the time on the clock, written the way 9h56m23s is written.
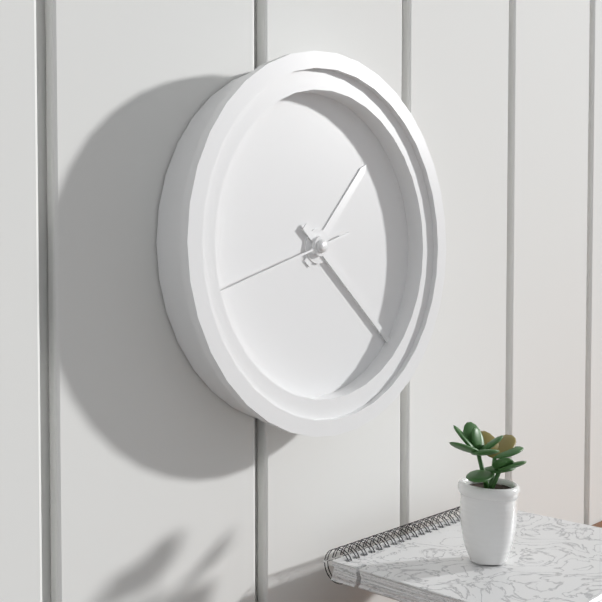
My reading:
1h22m42s
